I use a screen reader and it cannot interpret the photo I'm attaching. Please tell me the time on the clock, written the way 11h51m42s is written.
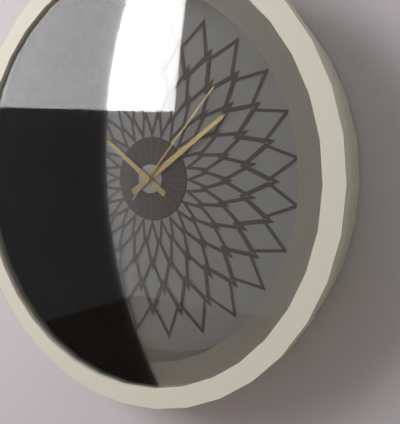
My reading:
1h51m07s
